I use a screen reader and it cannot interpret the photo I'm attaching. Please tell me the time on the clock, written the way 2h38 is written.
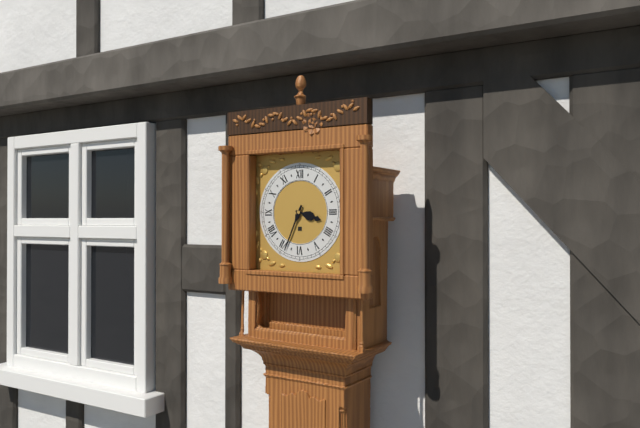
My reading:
3h34
